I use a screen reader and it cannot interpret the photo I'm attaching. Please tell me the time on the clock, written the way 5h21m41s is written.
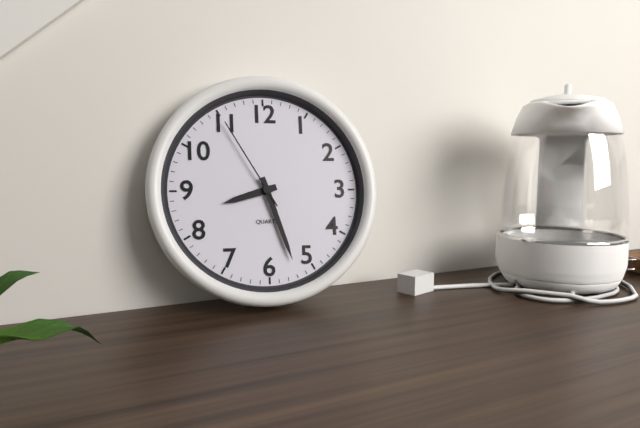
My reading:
8h27m55s
